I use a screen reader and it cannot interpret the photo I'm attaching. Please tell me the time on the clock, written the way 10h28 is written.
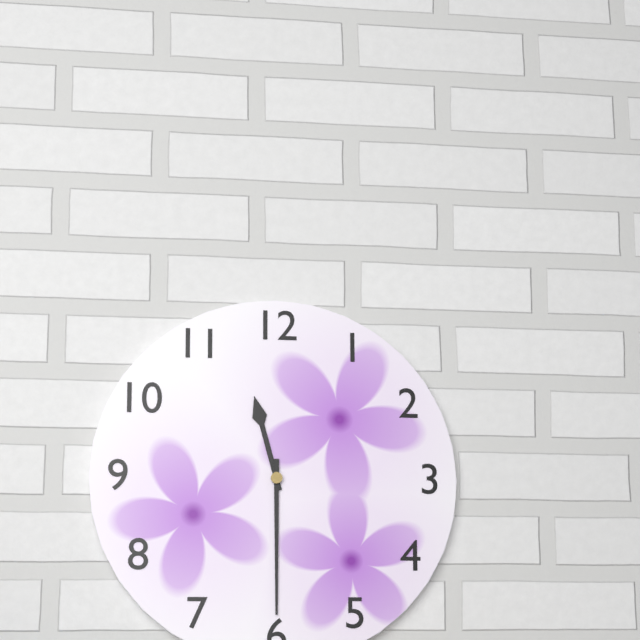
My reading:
11h30
